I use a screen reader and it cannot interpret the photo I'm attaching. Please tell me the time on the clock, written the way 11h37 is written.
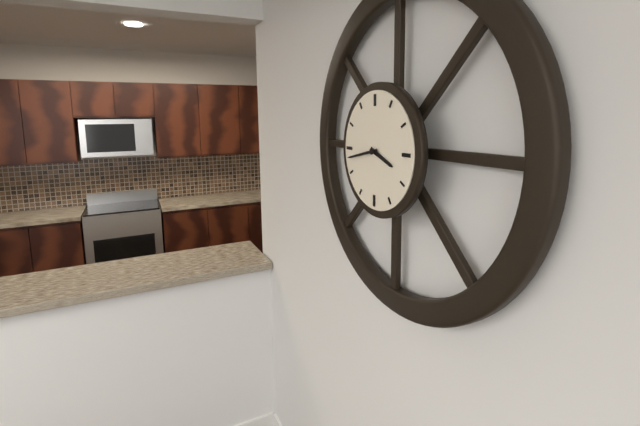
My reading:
3h43
